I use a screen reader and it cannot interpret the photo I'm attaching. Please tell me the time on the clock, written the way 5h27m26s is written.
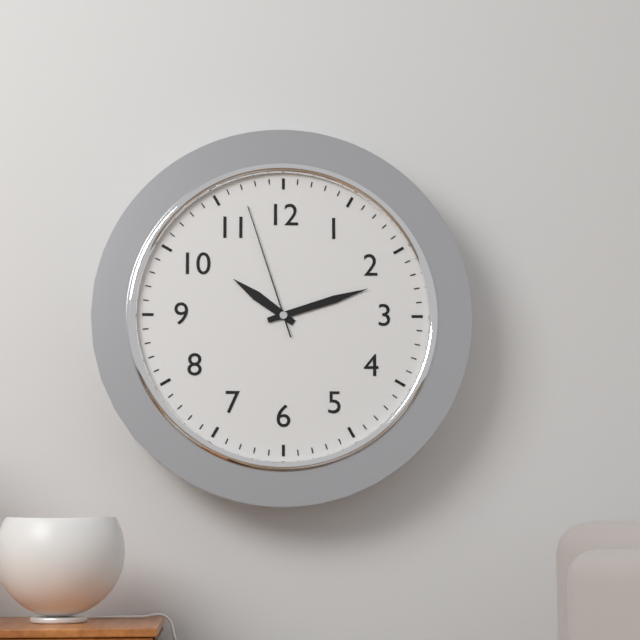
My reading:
10h12m57s
